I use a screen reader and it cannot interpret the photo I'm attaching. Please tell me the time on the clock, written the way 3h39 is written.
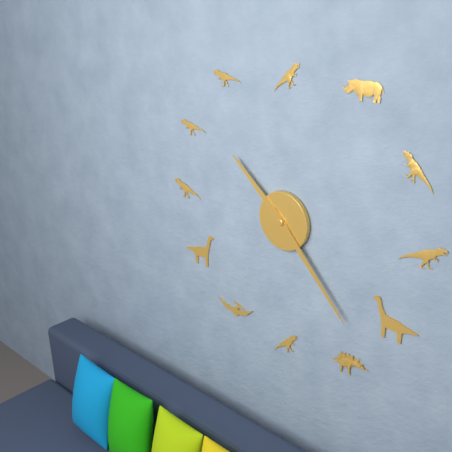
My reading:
10h23
